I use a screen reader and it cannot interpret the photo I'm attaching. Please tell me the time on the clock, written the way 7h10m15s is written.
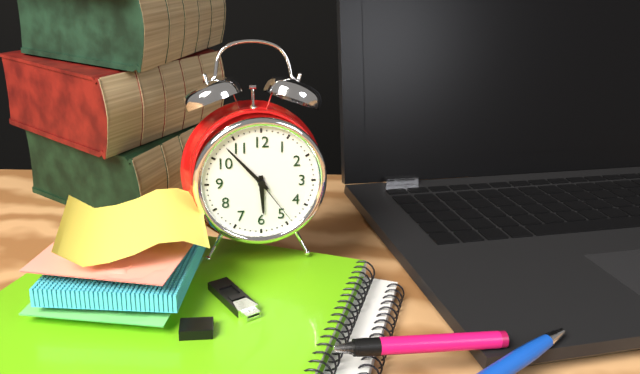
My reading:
5h53m24s
